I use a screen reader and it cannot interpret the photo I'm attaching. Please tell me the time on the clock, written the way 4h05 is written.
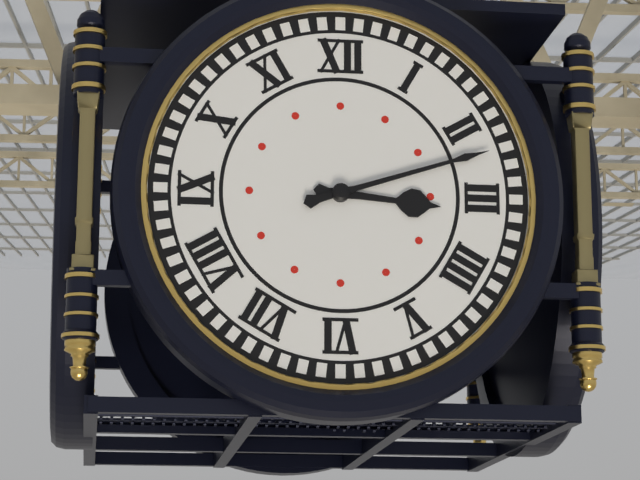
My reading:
3h12
